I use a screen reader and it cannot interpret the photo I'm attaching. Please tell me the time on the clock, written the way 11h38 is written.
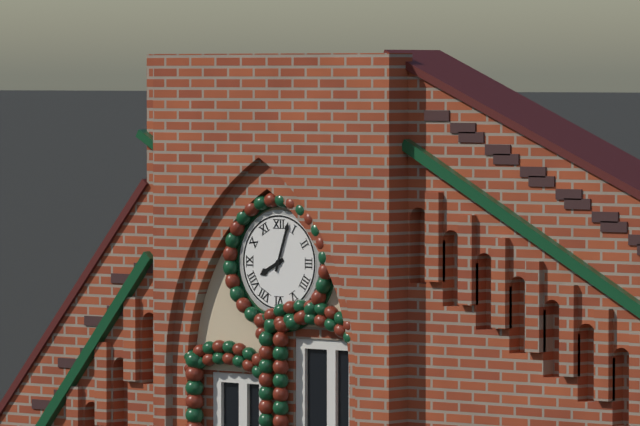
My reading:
8h03
